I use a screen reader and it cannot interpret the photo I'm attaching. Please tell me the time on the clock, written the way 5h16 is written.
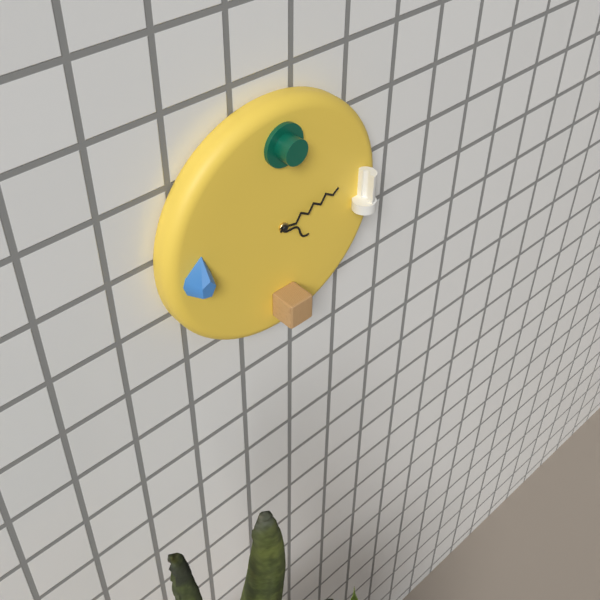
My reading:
4h13
